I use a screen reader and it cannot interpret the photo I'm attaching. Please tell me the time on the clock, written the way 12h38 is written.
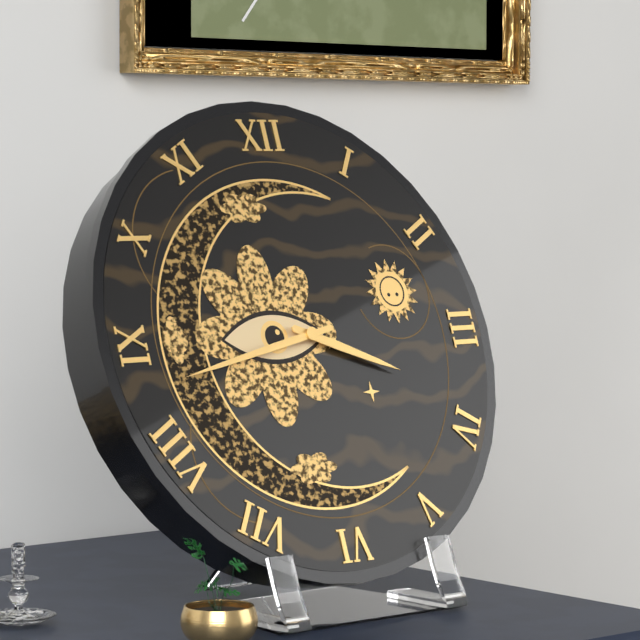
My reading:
3h43
